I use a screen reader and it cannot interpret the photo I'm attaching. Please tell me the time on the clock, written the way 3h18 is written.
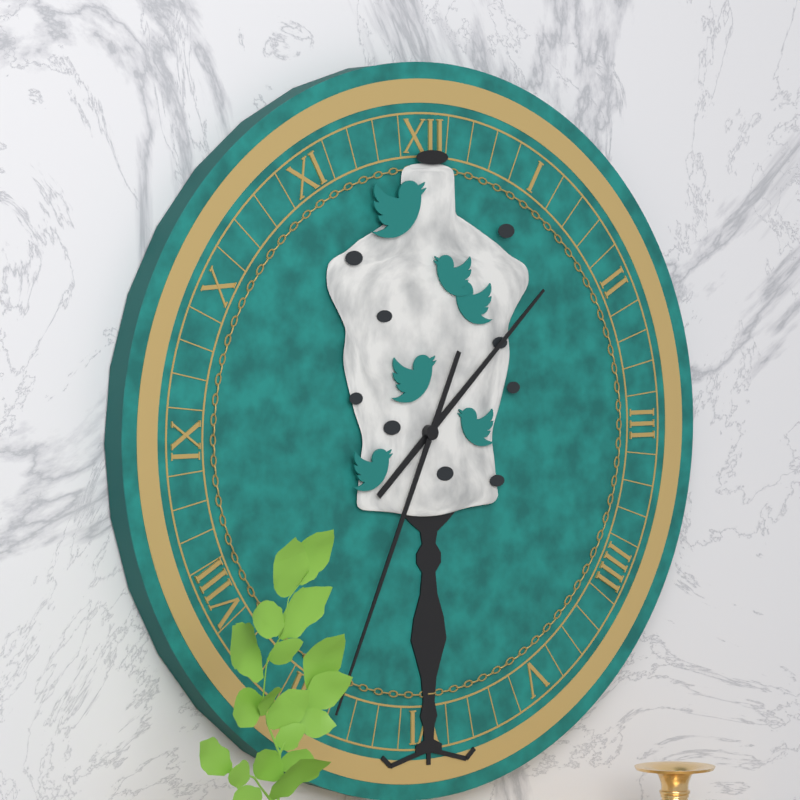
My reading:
1h34
